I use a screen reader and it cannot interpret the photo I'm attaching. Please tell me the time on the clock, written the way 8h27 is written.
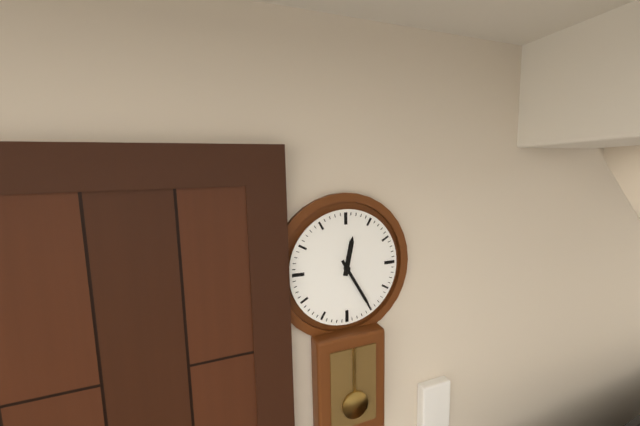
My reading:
12h25
